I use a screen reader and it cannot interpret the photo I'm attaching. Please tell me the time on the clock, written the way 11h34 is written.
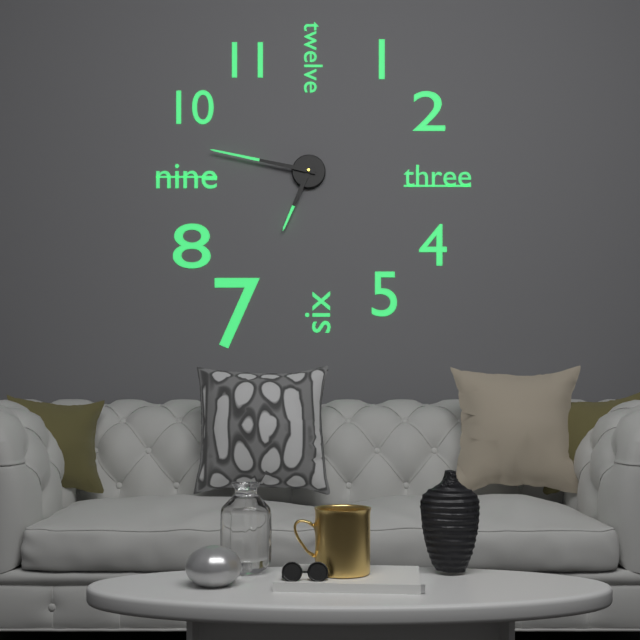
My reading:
6h47
